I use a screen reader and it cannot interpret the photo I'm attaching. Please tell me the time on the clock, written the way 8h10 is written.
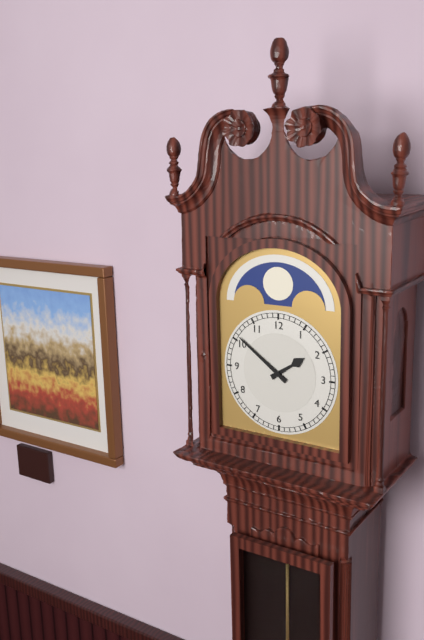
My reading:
1h51
